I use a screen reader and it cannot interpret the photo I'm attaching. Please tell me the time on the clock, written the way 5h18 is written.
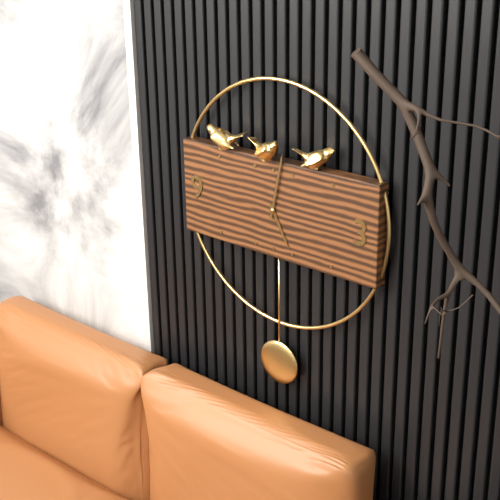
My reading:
5h02
